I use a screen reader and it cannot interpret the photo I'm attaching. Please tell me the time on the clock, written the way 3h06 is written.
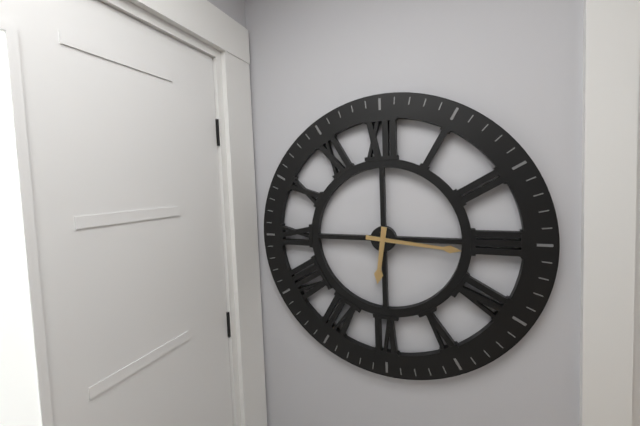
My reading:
6h16
